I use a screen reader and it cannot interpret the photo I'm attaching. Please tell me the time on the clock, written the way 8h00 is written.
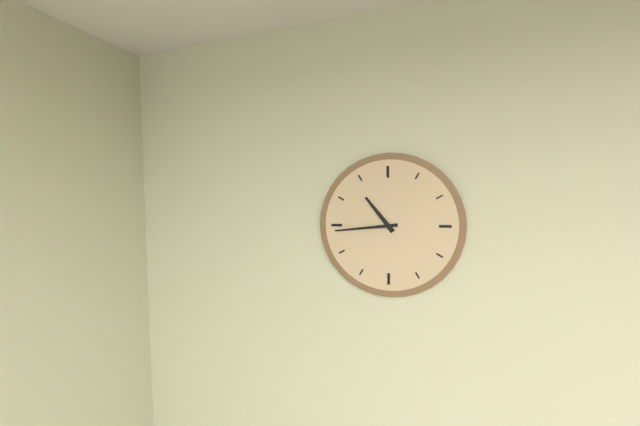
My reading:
10h44
